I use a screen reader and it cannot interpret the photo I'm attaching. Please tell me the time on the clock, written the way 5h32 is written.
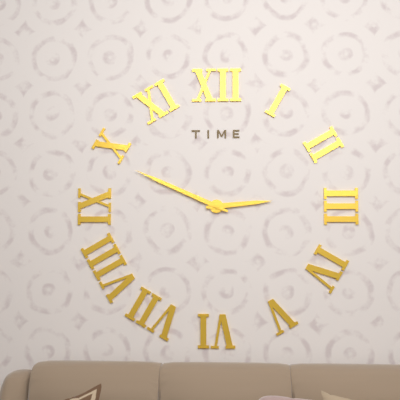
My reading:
2h49
